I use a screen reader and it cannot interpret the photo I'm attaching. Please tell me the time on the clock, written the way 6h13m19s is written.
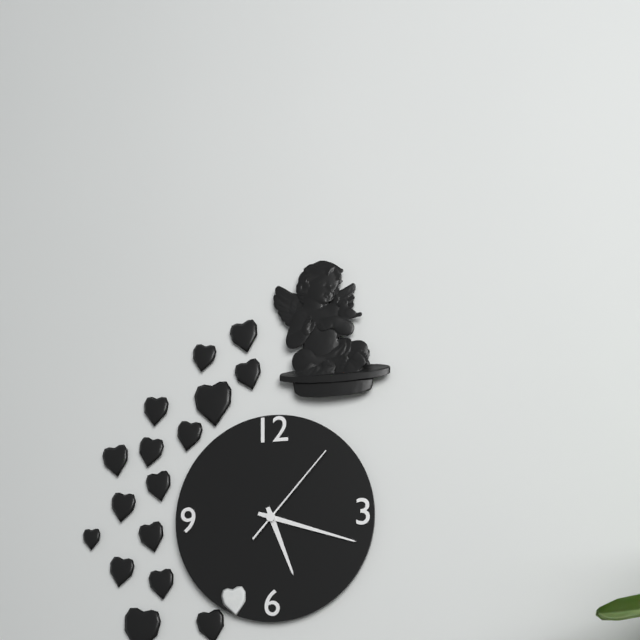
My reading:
5h18m07s
